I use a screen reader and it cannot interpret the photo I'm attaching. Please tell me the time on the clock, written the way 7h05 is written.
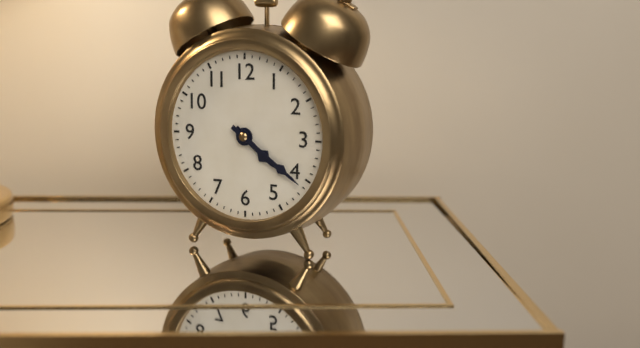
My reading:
4h21
